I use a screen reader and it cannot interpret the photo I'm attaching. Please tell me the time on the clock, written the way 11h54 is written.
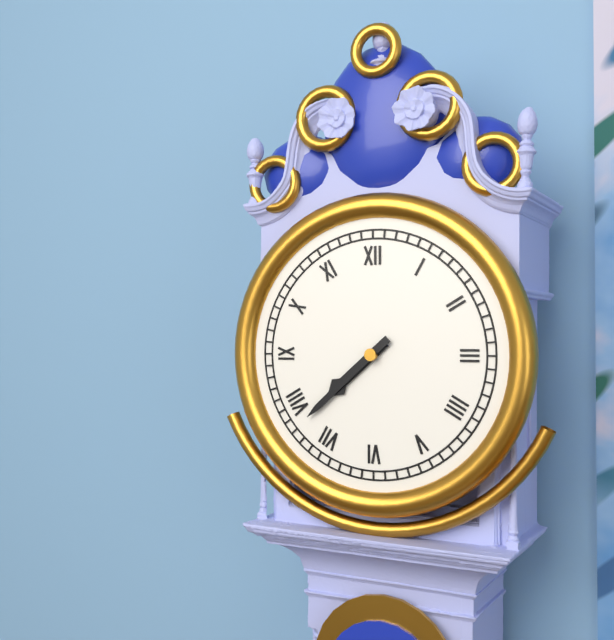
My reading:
7h38
